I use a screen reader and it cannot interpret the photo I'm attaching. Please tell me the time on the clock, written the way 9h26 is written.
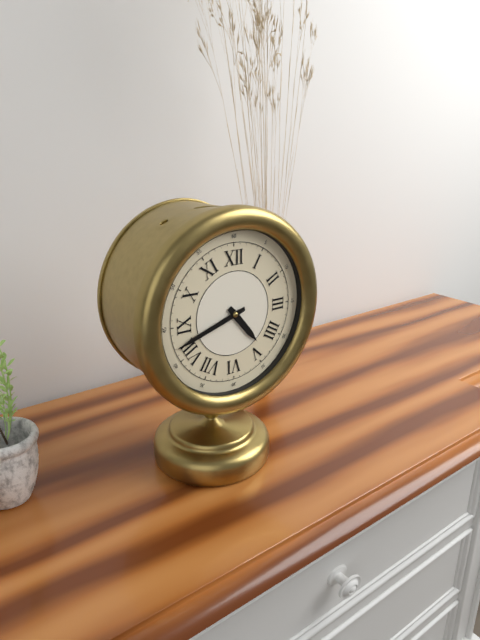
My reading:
4h42
